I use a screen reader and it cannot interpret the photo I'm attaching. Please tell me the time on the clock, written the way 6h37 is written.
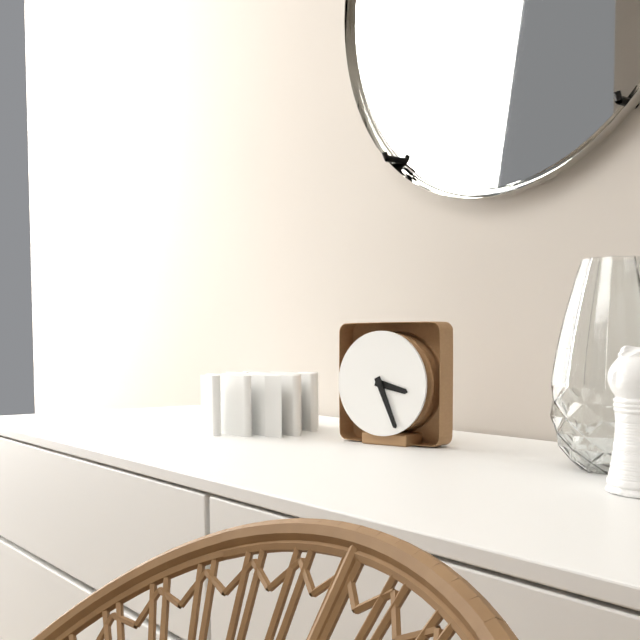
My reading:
3h26
